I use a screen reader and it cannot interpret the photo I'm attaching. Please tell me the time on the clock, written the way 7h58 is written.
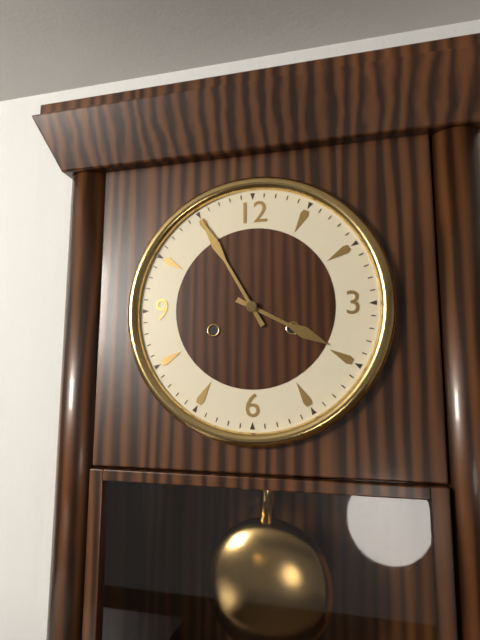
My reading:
3h55
